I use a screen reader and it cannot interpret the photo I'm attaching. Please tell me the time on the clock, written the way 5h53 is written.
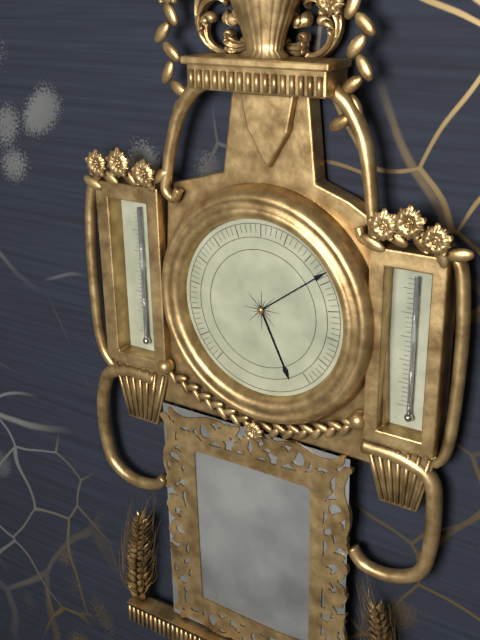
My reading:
5h09
